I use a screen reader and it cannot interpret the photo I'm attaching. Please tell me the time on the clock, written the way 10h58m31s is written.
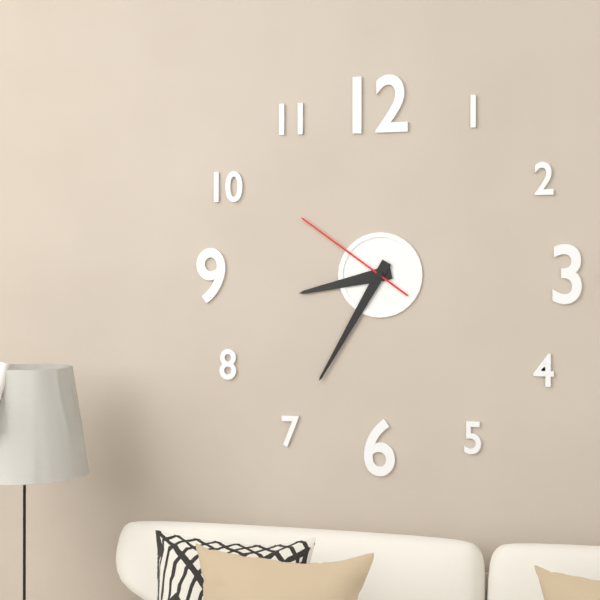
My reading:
8h35m51s
